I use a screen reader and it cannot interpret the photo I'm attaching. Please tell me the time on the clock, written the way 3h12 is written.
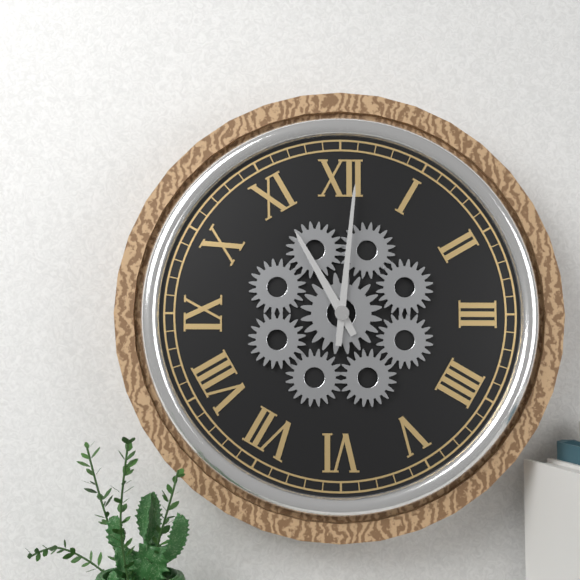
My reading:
11h01
